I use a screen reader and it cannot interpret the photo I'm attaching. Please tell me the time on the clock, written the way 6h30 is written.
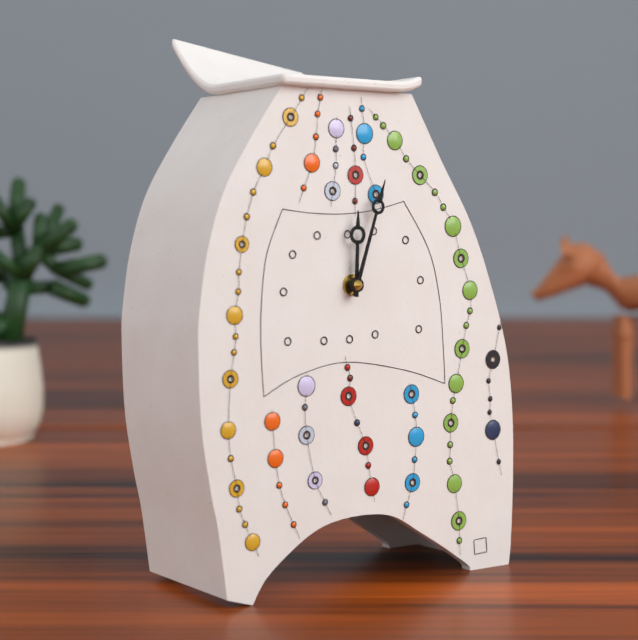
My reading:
12h03
